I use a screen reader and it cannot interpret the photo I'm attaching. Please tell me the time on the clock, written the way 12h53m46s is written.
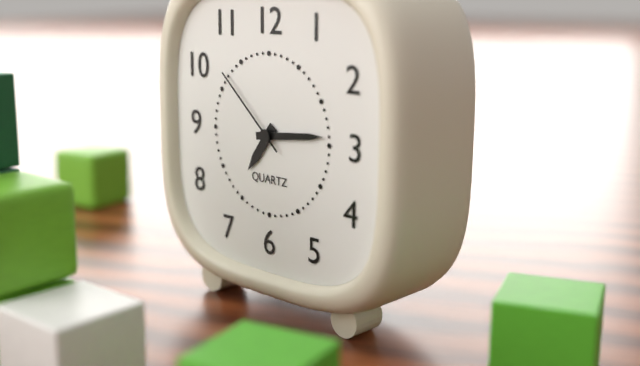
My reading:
7h14m52s
